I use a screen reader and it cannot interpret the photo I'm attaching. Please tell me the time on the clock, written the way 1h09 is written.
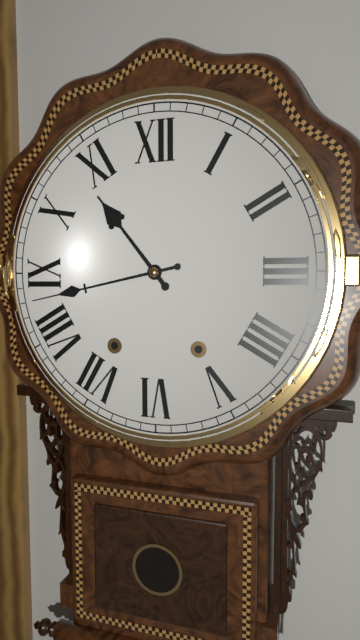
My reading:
10h43
